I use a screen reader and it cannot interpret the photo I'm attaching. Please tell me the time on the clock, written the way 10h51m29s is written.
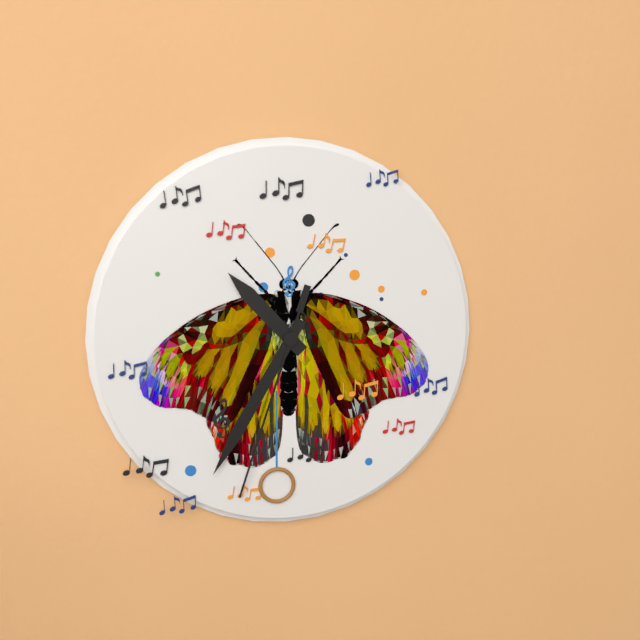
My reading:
10h35m33s
